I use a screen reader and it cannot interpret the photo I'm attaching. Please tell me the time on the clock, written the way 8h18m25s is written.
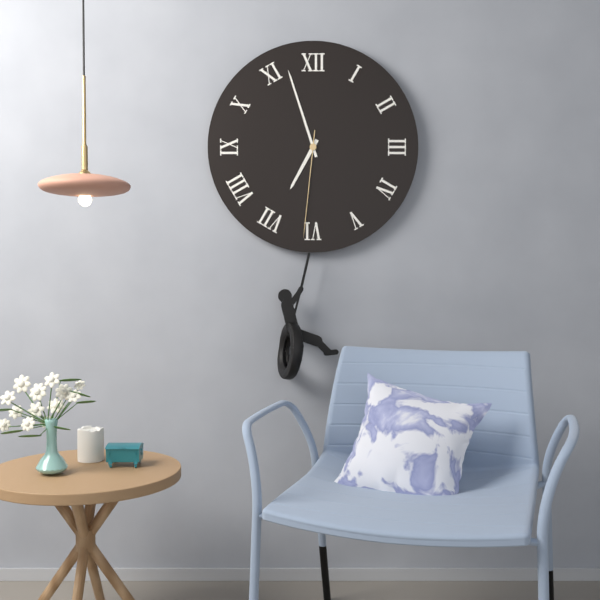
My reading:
6h57m31s
